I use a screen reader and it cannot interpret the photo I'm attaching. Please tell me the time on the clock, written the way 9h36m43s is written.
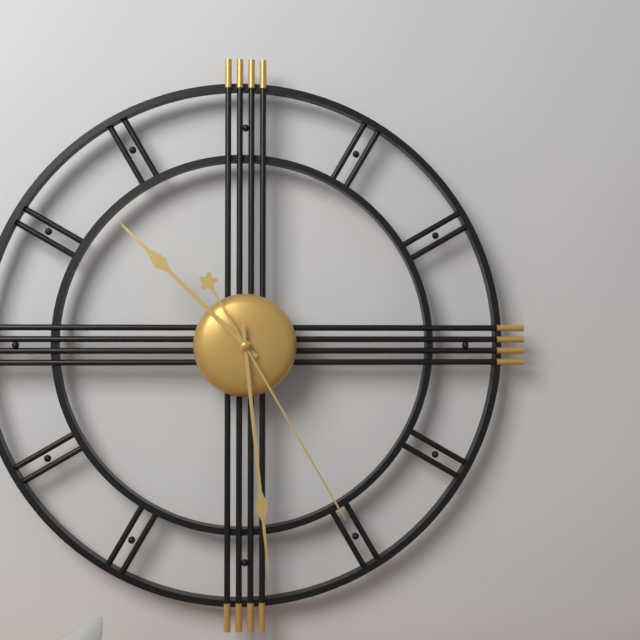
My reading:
10h29m25s
